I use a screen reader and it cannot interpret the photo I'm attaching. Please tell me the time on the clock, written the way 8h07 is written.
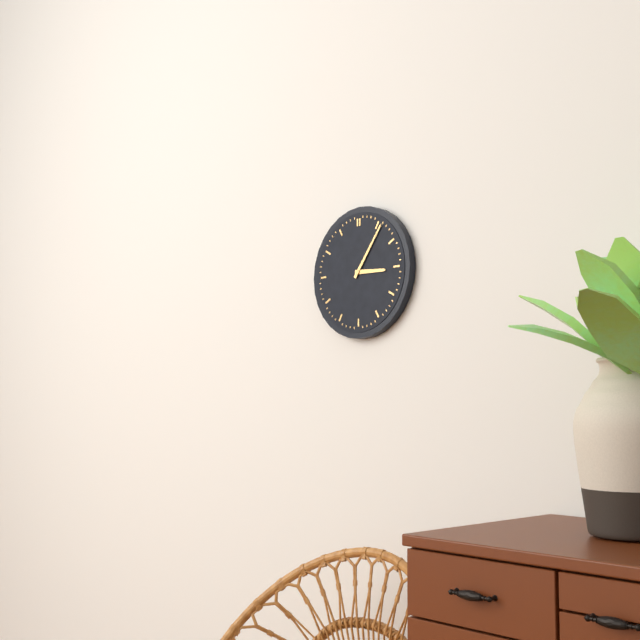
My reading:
3h06
